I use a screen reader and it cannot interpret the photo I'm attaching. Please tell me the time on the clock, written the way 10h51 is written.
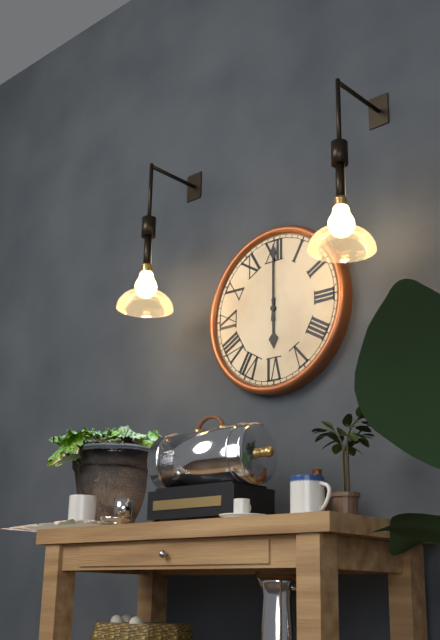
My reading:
6h00
